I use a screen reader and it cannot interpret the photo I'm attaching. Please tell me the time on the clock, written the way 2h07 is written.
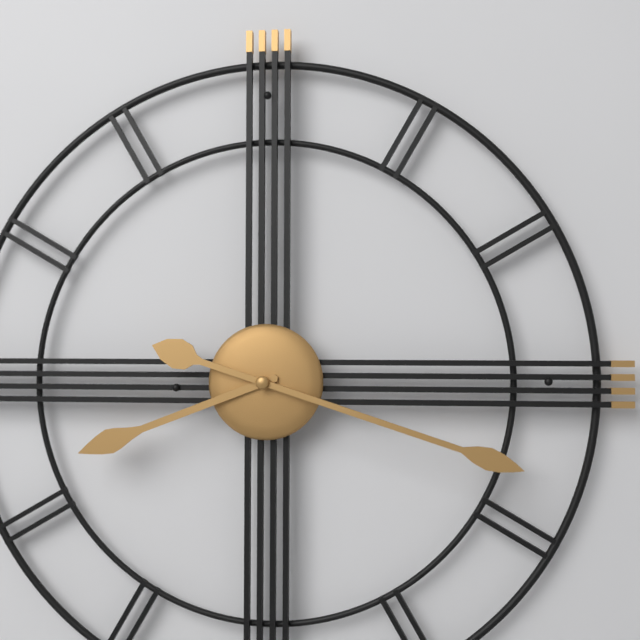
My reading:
8h18
